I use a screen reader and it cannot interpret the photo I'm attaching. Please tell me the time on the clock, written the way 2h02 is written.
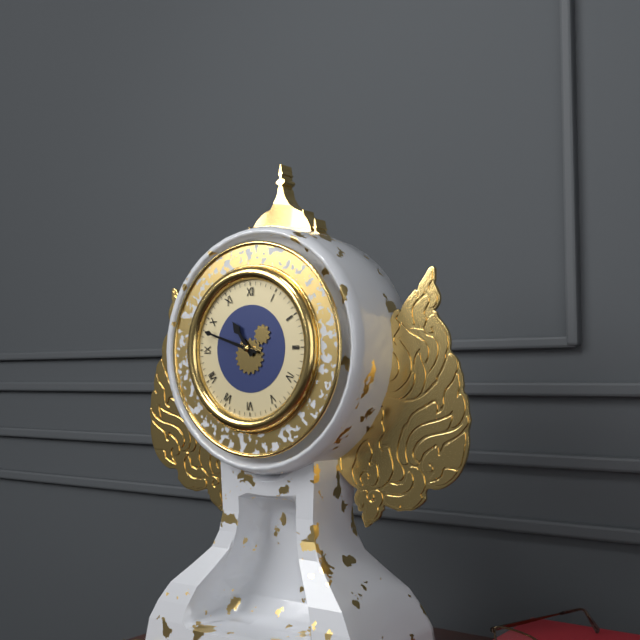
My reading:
10h48
